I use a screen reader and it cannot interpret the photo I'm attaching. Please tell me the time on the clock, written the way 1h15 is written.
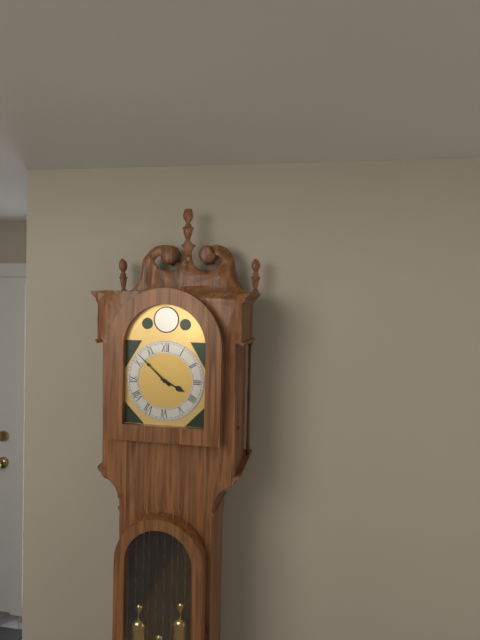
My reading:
3h52
